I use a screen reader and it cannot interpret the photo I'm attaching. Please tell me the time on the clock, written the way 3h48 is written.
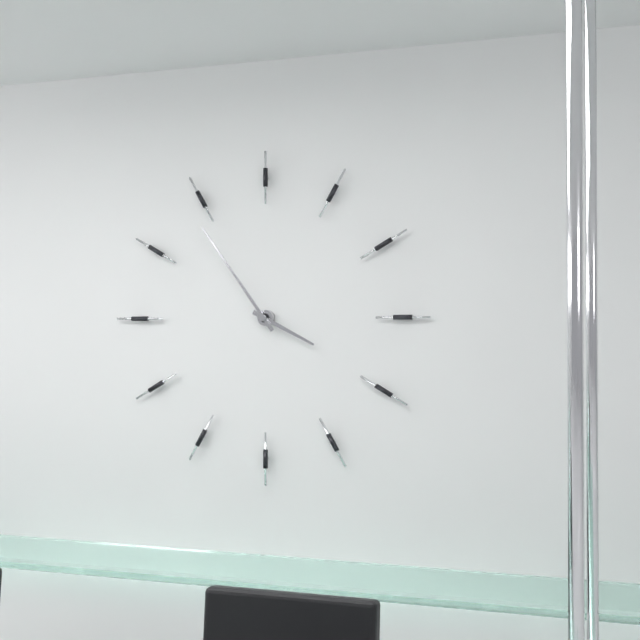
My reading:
3h54
